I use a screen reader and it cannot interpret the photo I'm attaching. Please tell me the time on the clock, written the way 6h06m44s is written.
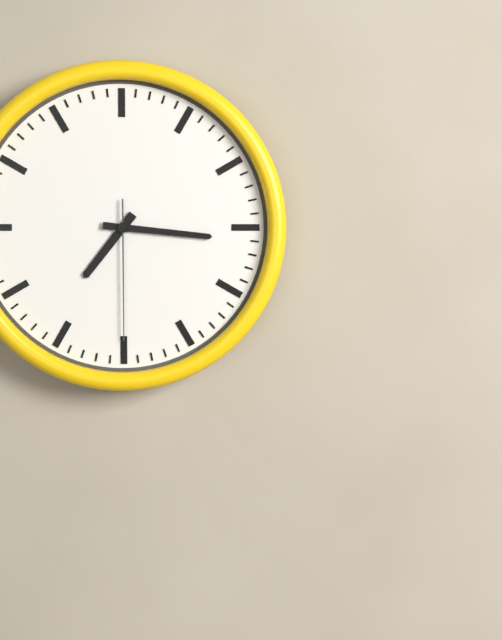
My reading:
7h16m30s
